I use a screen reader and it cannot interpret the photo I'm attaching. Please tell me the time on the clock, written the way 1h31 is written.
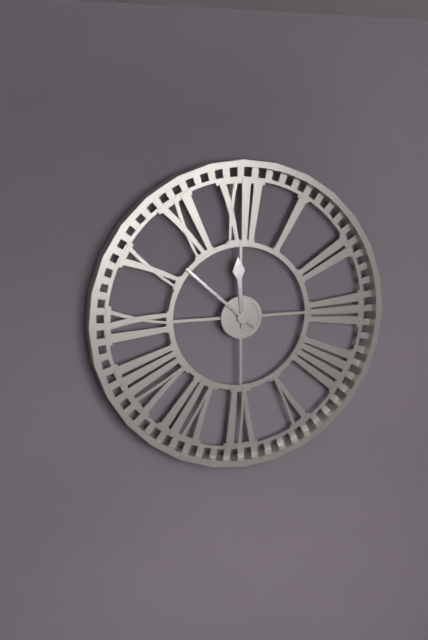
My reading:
11h52
